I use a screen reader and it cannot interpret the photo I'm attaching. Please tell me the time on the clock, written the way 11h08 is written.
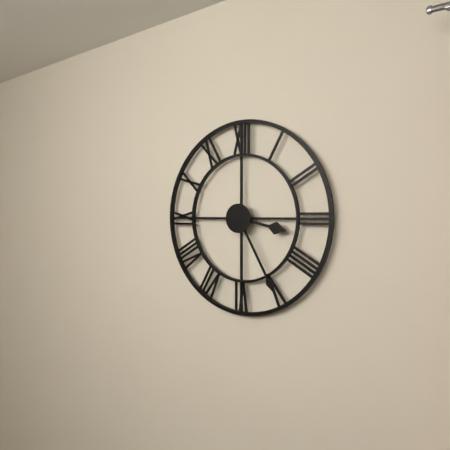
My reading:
3h25
